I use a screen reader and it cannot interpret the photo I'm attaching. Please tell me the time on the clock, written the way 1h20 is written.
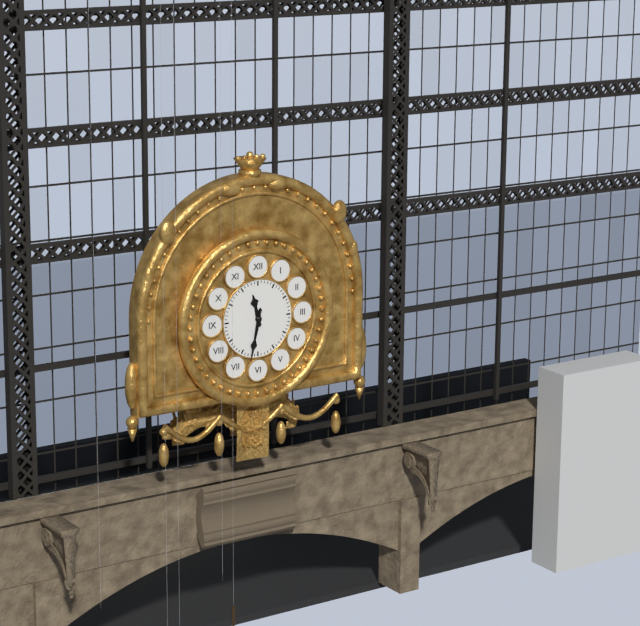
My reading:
11h32
